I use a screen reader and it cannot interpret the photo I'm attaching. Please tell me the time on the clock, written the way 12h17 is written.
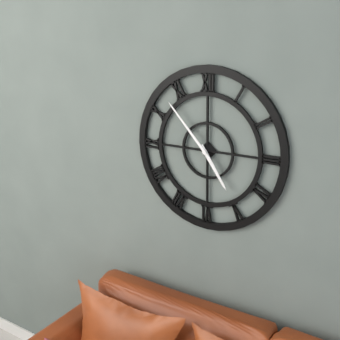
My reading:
4h53
